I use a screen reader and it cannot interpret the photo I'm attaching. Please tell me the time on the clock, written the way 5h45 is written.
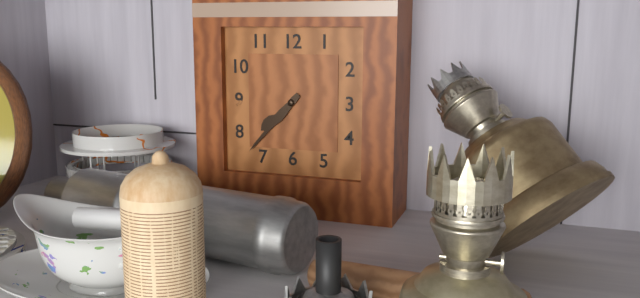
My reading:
7h37
